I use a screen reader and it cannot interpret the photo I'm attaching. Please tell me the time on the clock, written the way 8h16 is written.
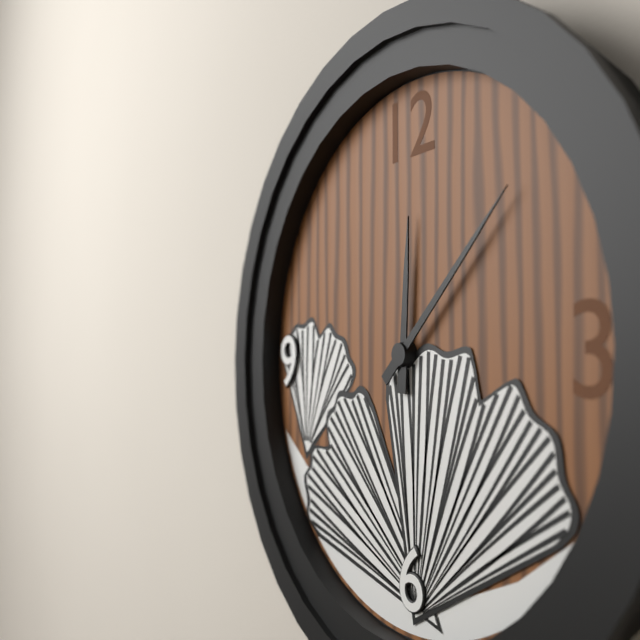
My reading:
12h08
